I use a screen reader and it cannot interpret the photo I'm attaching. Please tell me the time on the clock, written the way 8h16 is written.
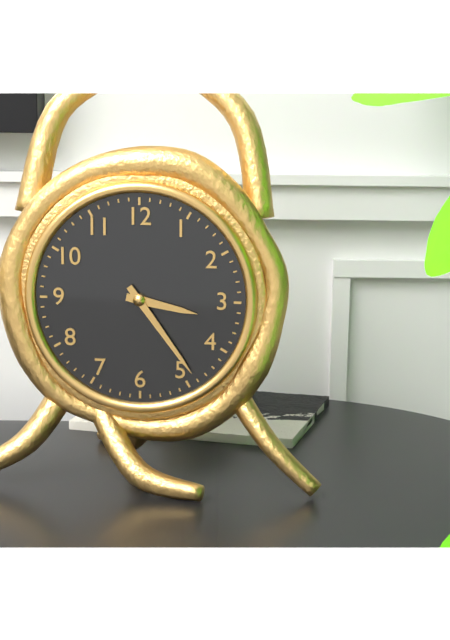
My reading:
3h24
